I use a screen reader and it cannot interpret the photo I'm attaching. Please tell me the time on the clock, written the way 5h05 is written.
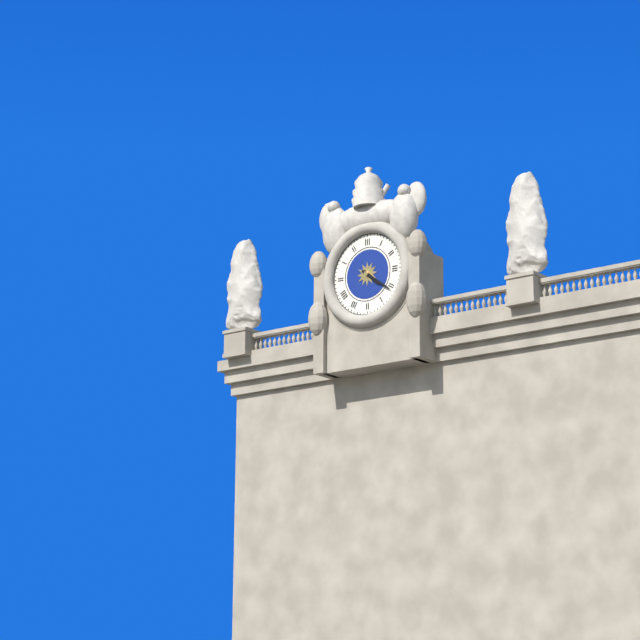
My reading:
4h21
